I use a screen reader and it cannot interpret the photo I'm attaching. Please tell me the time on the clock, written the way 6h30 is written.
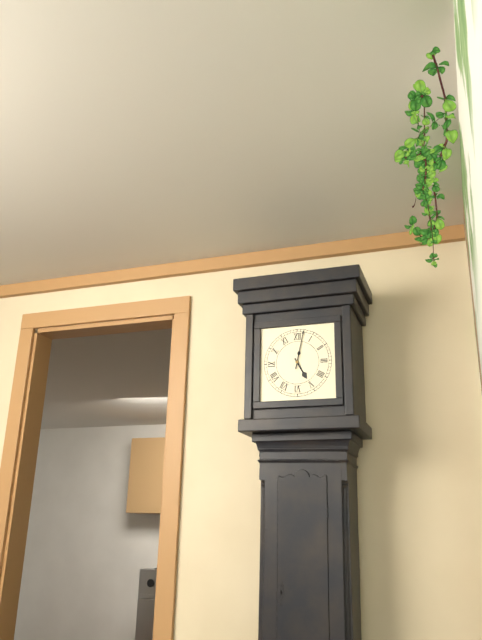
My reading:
5h02
